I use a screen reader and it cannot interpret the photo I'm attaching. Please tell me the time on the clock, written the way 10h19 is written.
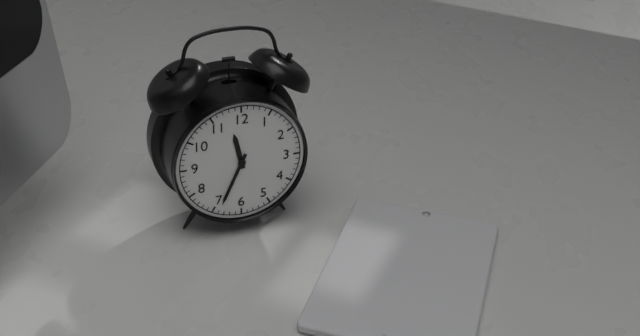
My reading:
11h34
